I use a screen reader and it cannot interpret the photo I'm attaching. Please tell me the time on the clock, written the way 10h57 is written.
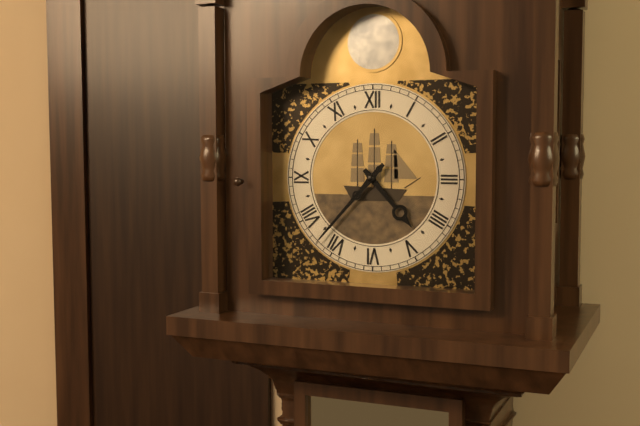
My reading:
4h37
